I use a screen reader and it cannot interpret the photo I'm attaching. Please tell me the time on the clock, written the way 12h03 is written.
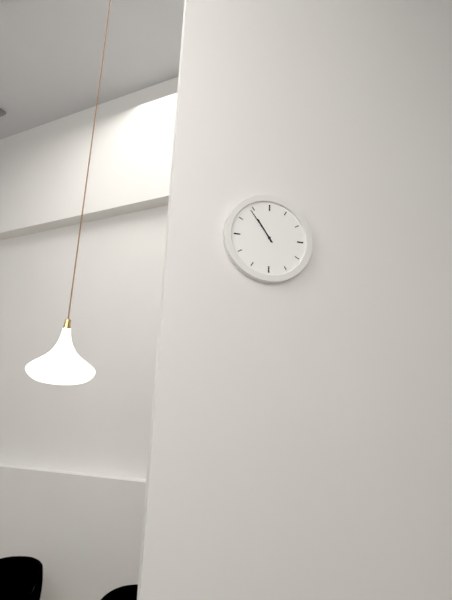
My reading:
10h54
